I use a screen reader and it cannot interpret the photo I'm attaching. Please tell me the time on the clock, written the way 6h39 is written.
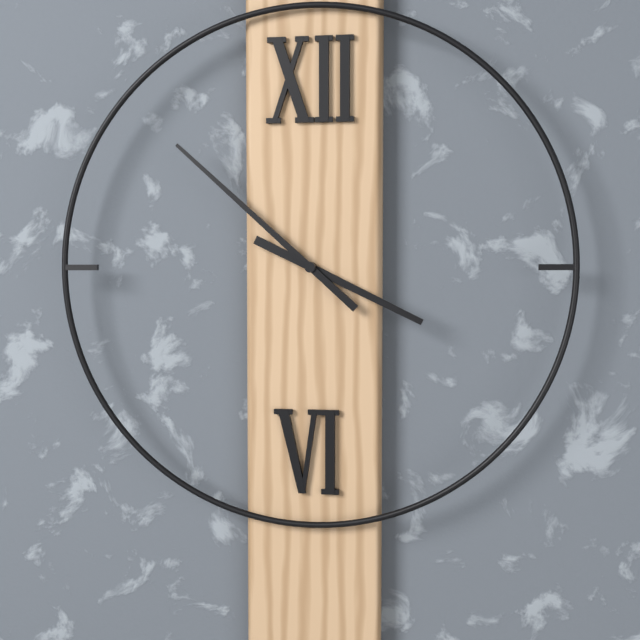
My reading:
3h52
